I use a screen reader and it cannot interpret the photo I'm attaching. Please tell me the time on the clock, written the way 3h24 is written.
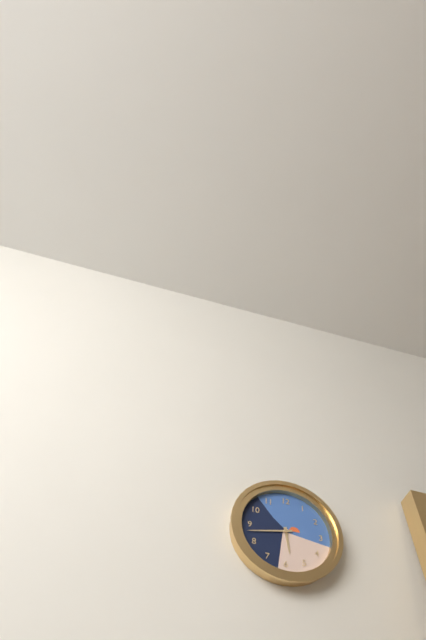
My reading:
5h43
